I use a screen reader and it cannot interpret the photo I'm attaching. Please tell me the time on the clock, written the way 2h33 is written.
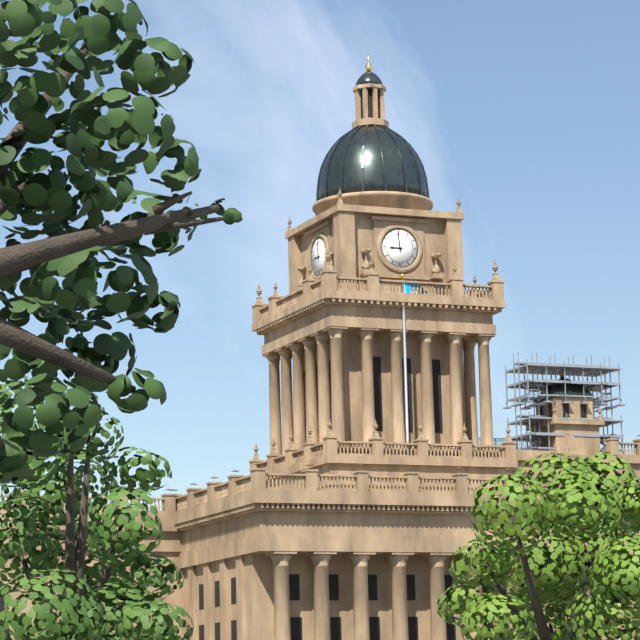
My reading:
8h59
